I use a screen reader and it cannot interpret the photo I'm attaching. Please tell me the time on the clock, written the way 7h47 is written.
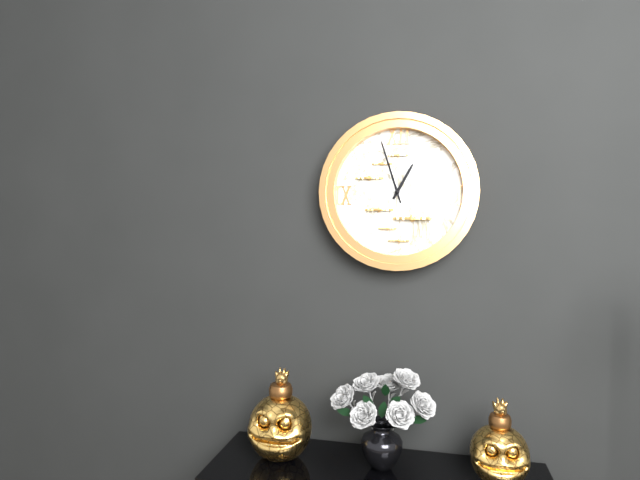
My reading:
12h57
